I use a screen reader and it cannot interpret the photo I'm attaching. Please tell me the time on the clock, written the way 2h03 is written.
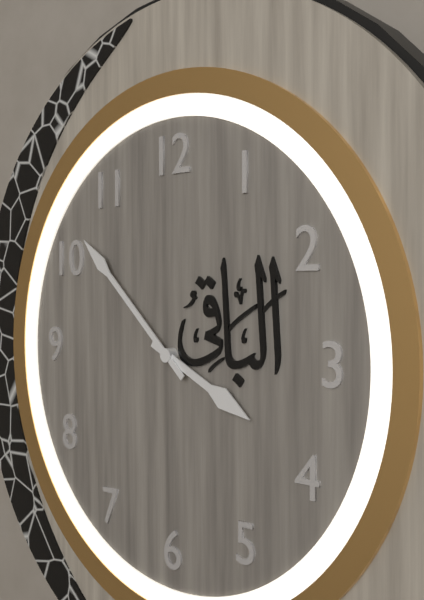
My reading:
3h52
